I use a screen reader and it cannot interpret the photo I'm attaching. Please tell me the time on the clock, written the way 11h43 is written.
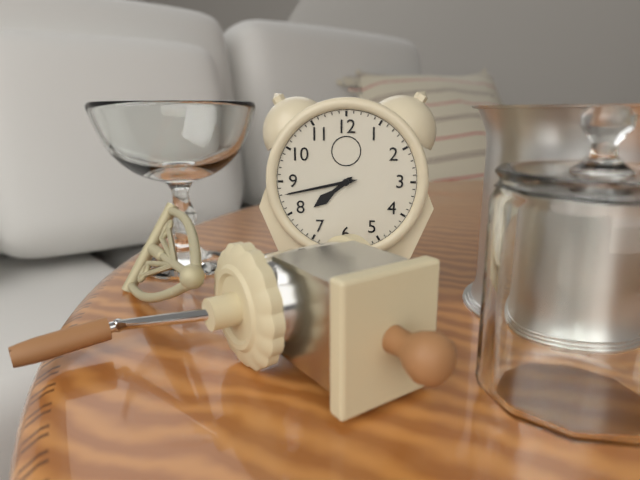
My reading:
7h43
